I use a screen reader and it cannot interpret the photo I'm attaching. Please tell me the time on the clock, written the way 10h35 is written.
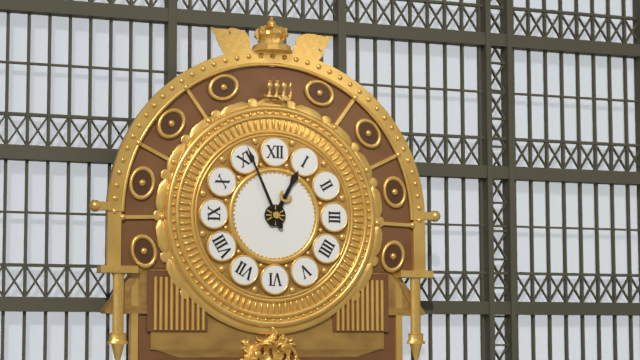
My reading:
12h56
